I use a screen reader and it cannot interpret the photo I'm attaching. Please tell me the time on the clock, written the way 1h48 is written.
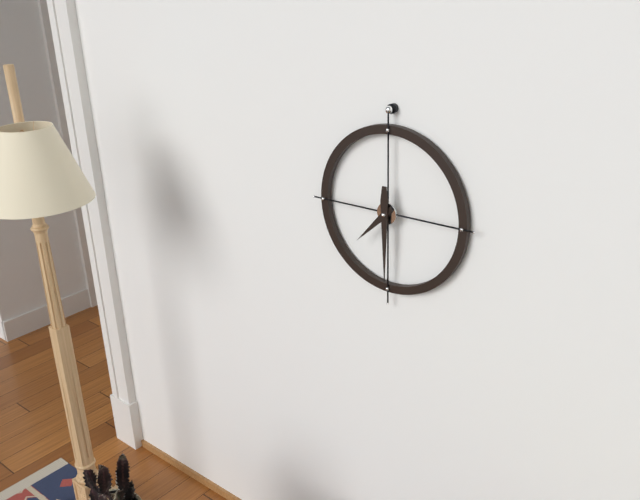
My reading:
7h30
